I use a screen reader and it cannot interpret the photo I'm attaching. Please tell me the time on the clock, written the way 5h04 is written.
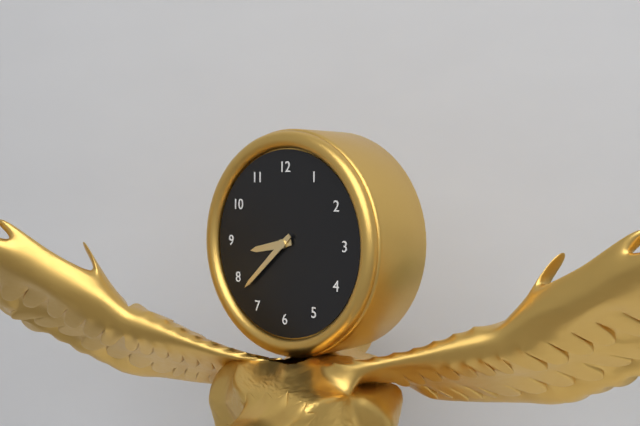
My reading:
8h38
